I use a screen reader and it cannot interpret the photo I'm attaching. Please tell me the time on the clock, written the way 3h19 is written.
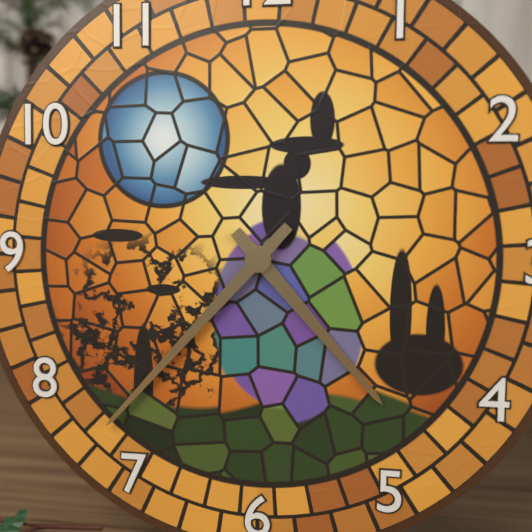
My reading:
4h37
